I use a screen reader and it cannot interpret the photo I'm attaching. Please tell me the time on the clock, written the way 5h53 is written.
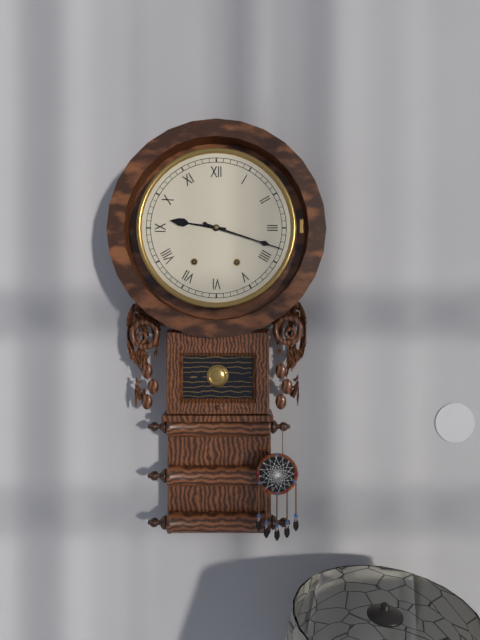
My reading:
9h18
